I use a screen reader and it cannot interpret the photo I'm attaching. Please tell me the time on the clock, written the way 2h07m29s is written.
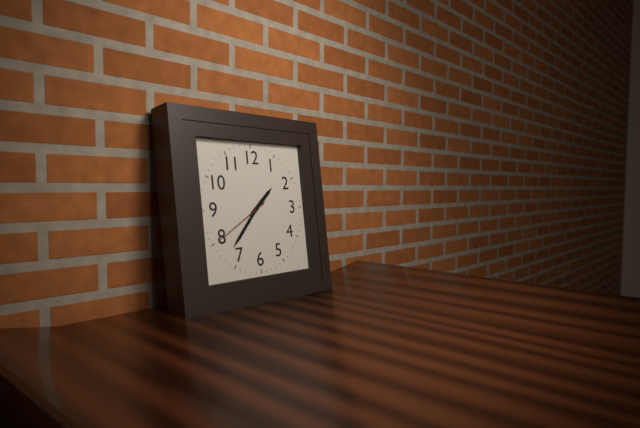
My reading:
1h37m40s
